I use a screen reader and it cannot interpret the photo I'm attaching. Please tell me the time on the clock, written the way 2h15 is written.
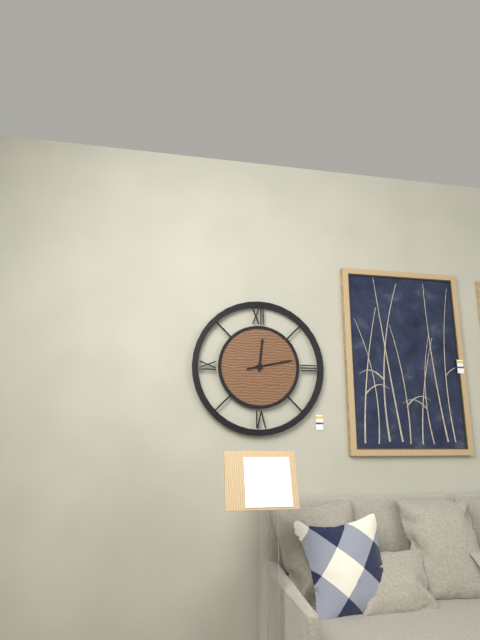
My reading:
12h13
